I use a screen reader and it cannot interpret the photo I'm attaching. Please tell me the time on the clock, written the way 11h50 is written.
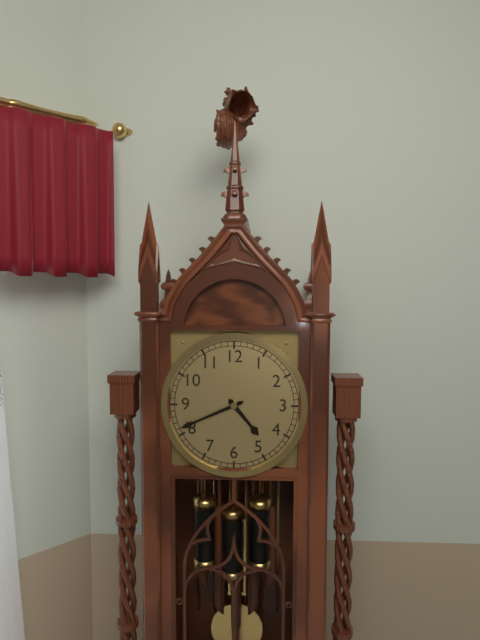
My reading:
4h41
